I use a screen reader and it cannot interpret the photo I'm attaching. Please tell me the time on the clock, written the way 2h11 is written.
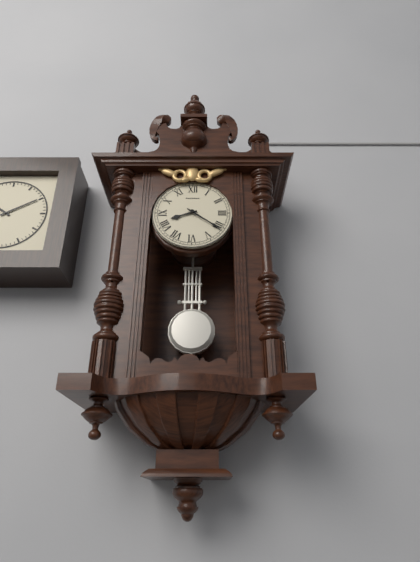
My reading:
8h21
